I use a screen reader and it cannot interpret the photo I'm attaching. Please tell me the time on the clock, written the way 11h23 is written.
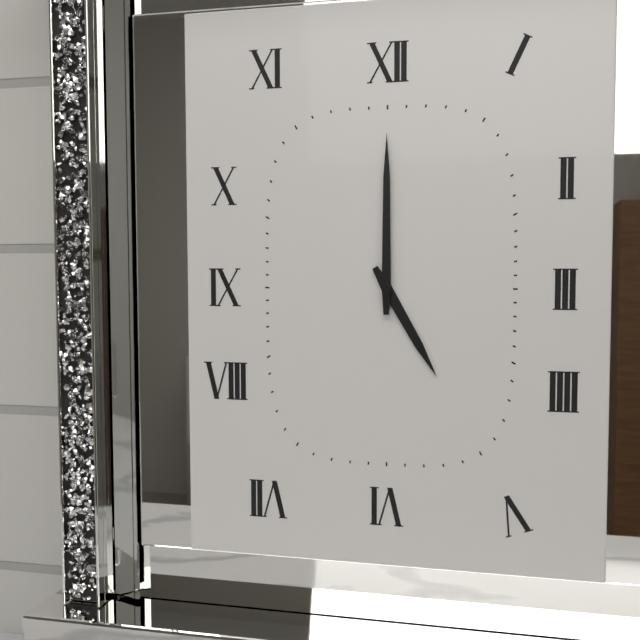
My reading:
5h00
